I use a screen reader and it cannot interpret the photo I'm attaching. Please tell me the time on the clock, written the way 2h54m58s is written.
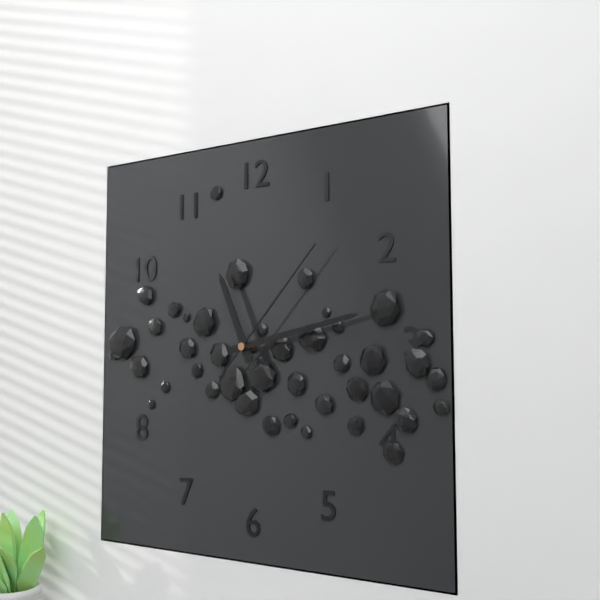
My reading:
11h13m07s
